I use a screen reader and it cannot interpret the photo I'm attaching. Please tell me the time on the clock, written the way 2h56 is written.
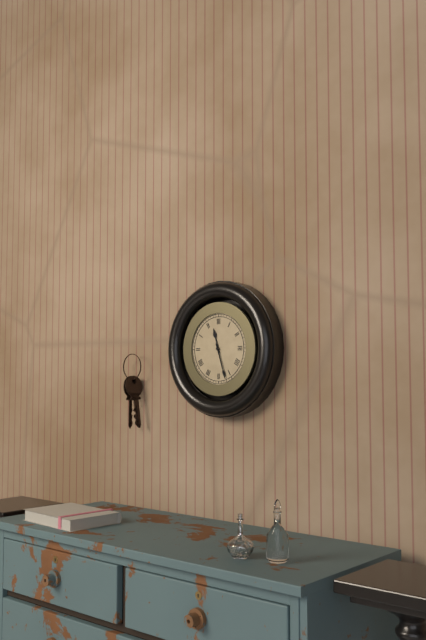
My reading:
11h27
